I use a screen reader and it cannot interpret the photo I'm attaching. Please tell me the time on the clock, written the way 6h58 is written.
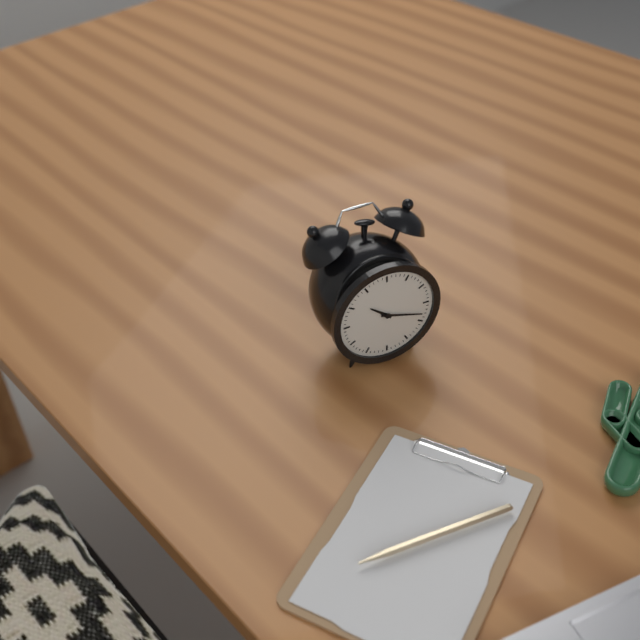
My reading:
10h18
